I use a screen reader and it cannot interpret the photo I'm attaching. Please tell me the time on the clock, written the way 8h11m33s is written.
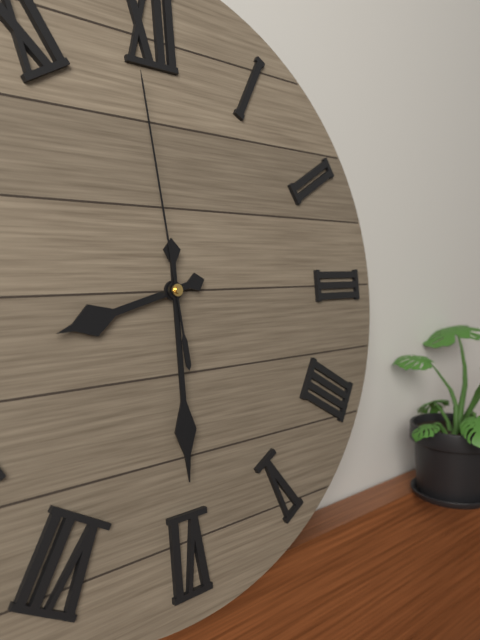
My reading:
8h30m59s
